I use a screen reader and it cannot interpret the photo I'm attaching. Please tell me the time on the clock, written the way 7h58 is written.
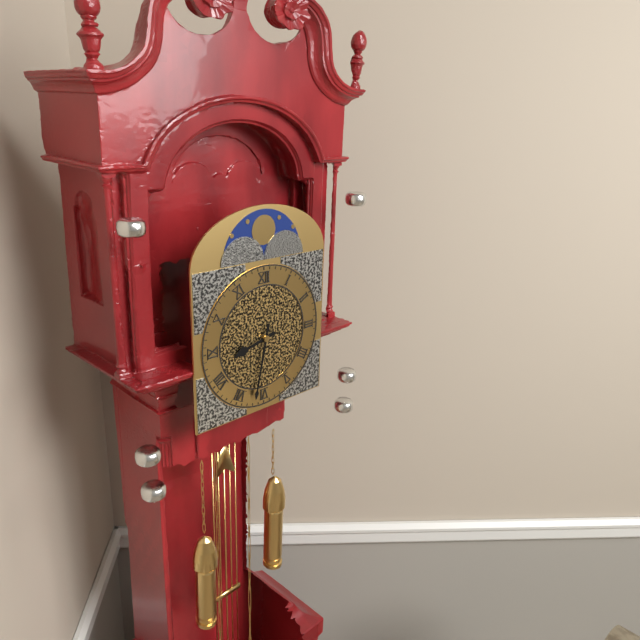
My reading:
8h32
